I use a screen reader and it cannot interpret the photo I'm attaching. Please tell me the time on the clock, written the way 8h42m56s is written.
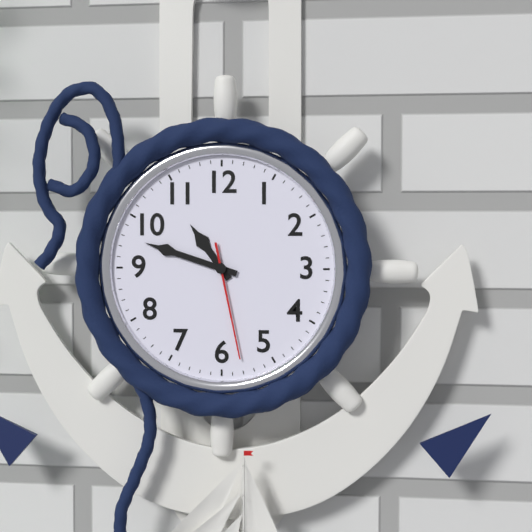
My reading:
10h48m28s
